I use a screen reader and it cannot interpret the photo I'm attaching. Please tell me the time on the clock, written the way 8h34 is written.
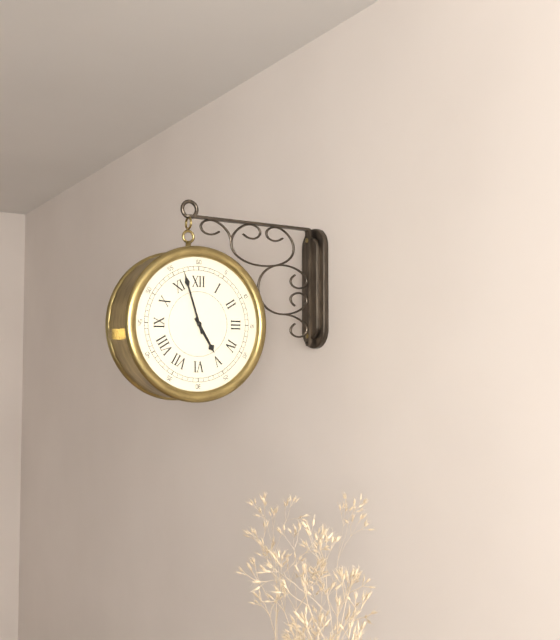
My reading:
4h57
